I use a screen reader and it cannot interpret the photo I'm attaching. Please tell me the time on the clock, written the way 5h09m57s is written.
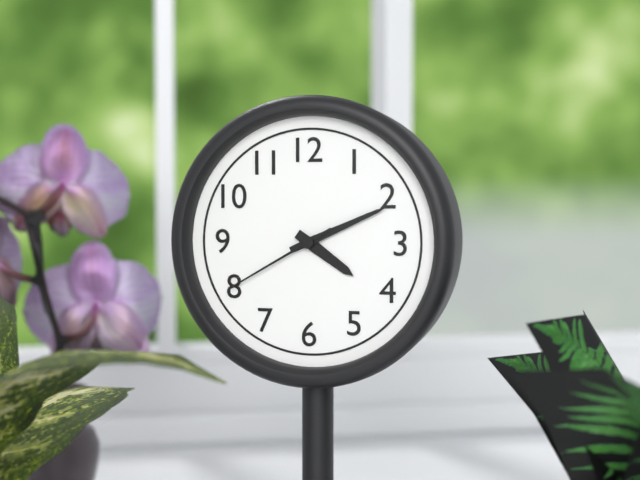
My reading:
4h11m40s
